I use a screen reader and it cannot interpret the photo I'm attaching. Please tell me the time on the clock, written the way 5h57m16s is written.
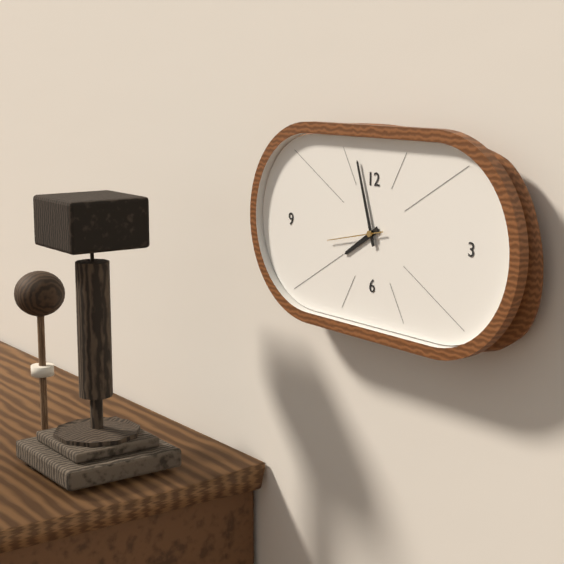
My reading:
7h57m43s
